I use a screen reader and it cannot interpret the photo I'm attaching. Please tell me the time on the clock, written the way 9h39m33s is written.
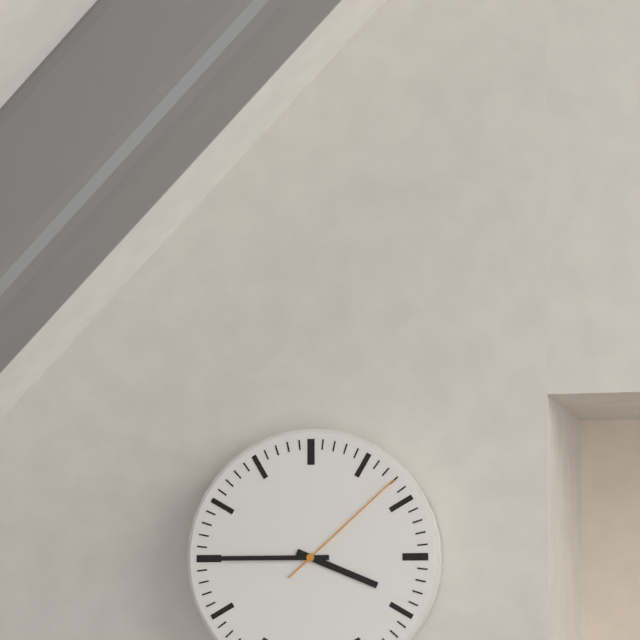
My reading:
3h45m08s
